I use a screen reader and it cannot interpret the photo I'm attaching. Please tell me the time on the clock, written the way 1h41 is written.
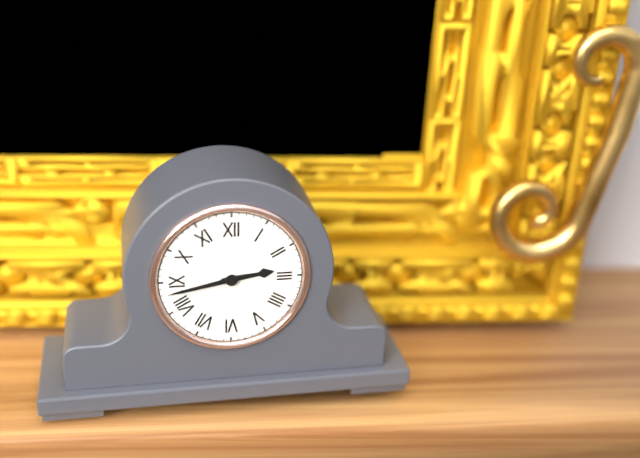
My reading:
2h43
